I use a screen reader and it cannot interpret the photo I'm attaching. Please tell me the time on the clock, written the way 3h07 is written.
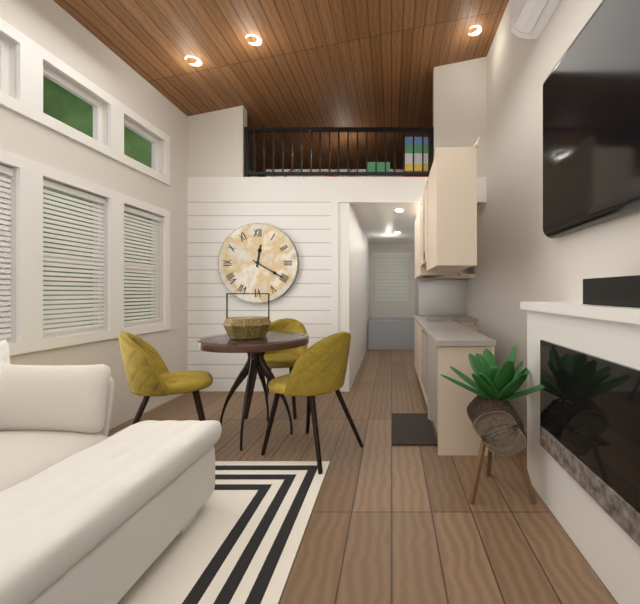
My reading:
12h20
